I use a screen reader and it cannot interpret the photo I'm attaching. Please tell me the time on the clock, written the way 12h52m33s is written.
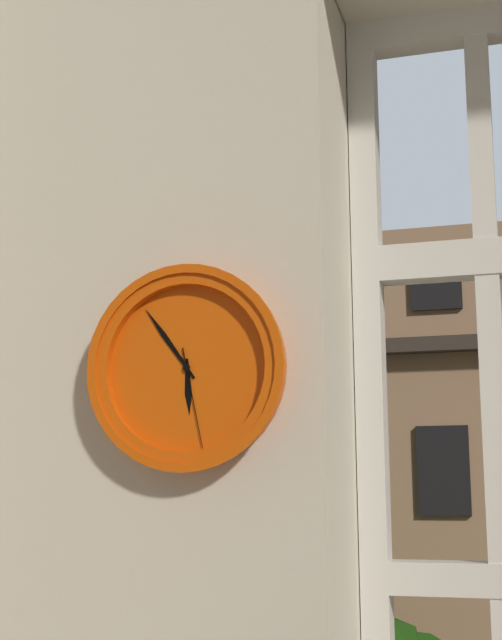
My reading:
5h54m28s
